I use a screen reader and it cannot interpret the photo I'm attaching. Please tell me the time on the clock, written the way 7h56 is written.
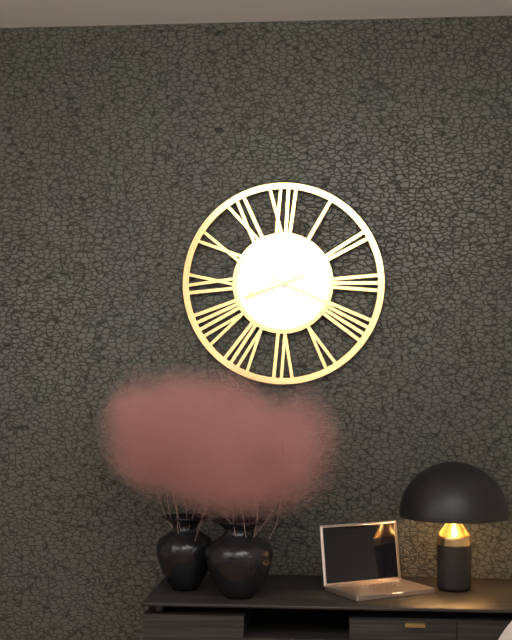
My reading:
8h19
